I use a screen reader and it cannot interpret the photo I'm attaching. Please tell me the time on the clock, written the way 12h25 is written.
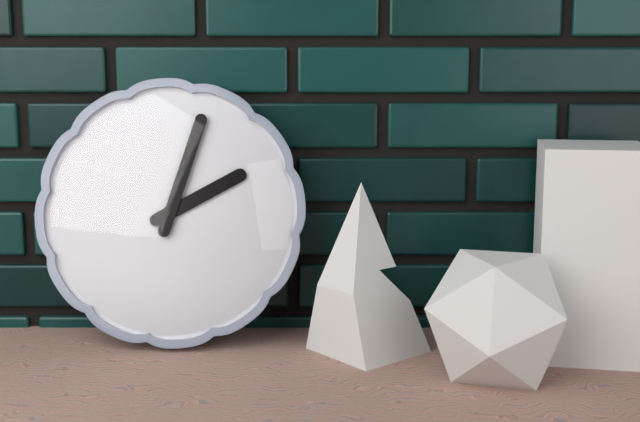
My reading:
2h03
